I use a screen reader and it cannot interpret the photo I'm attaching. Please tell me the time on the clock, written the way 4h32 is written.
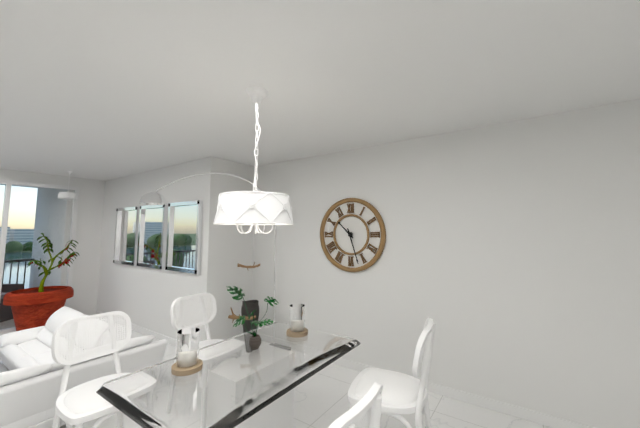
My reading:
10h27
